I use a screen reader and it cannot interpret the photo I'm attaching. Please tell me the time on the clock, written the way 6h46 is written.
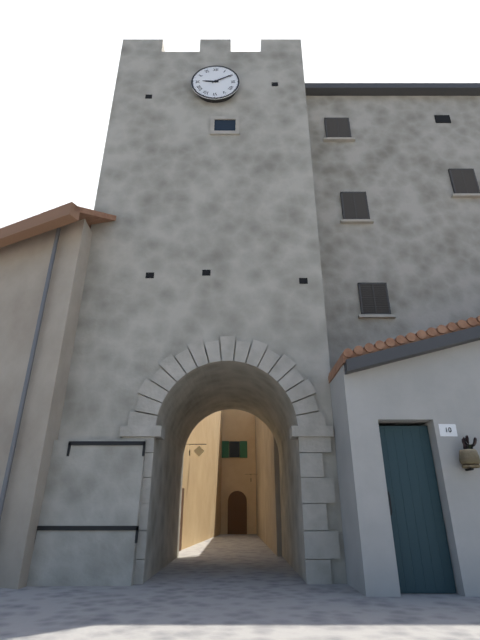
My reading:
9h10
